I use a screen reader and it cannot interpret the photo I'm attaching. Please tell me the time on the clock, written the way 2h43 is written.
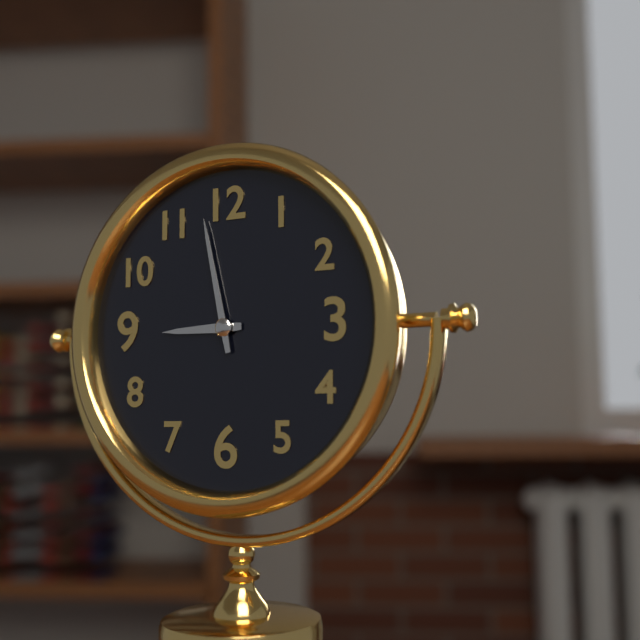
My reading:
8h58
